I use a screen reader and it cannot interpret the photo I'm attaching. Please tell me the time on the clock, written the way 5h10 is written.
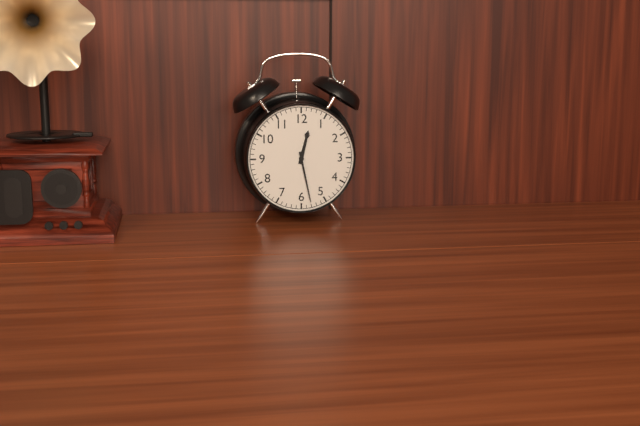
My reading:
12h28
